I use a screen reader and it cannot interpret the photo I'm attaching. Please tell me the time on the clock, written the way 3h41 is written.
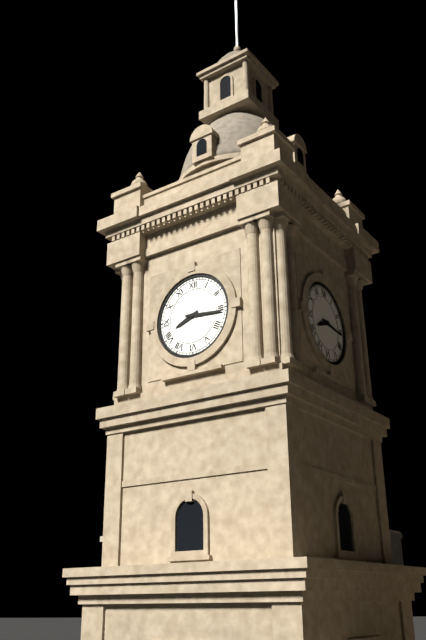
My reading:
8h16
